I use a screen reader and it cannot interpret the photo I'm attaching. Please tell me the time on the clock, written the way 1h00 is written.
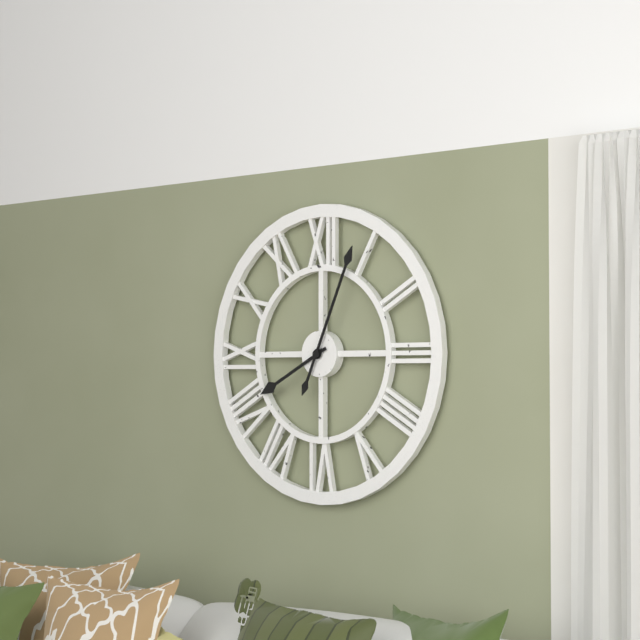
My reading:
8h04
